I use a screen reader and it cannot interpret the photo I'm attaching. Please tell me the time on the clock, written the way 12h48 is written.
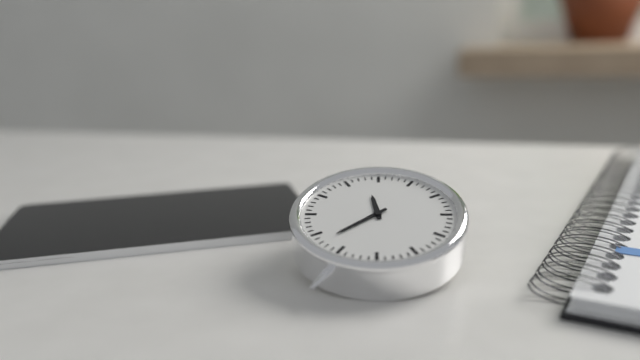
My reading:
11h38
